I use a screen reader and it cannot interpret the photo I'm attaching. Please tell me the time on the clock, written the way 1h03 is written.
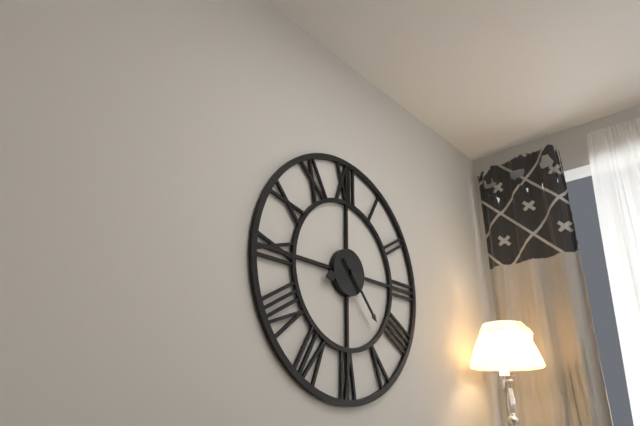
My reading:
8h23
